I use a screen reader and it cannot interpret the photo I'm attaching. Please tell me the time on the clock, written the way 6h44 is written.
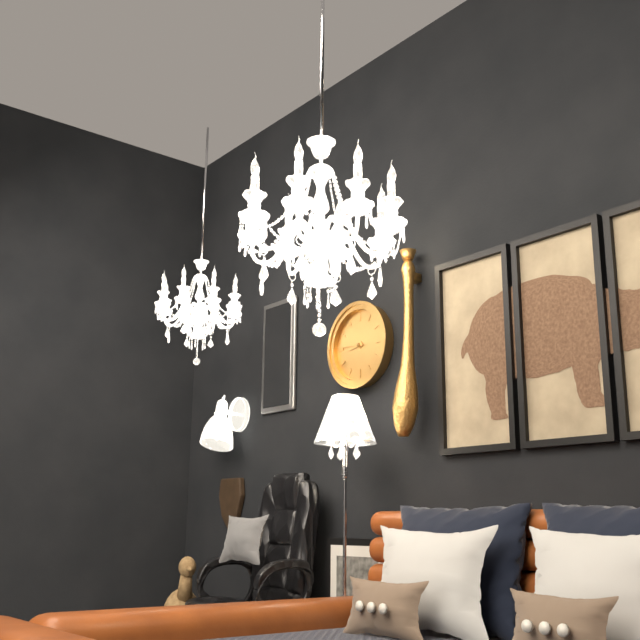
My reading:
8h46
